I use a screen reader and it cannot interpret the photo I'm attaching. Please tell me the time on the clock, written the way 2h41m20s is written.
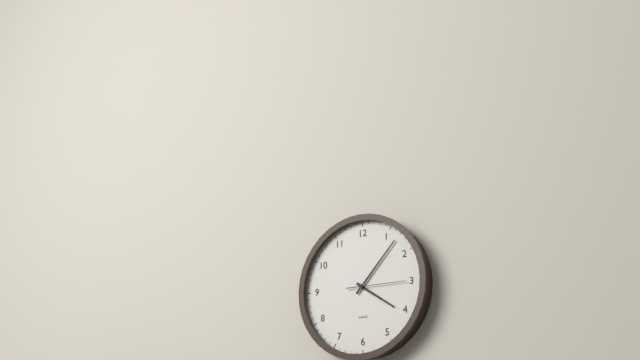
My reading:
4h07m15s
